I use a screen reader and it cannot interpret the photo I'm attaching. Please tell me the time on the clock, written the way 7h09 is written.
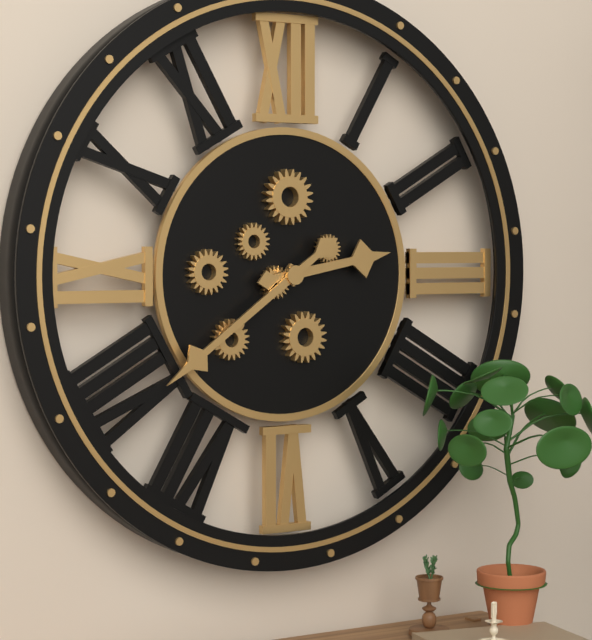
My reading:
2h39
